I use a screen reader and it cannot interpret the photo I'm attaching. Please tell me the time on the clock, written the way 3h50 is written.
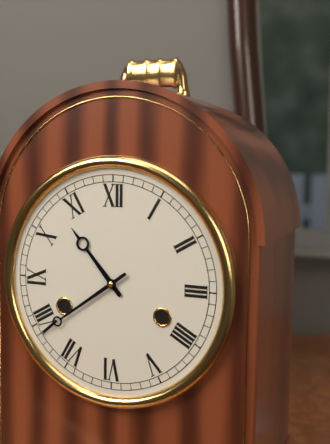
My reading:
10h39
